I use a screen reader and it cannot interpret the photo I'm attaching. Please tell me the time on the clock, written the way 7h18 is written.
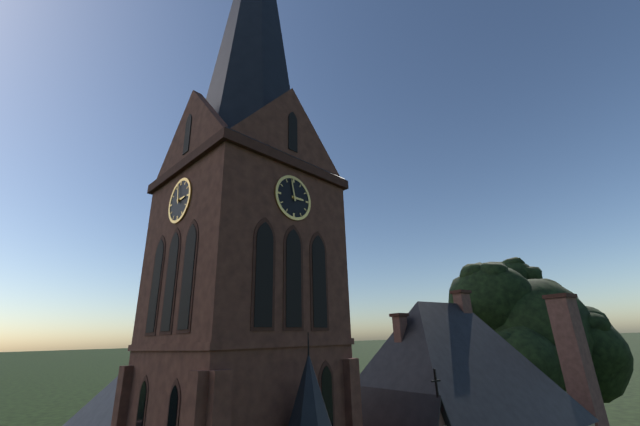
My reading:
2h58
